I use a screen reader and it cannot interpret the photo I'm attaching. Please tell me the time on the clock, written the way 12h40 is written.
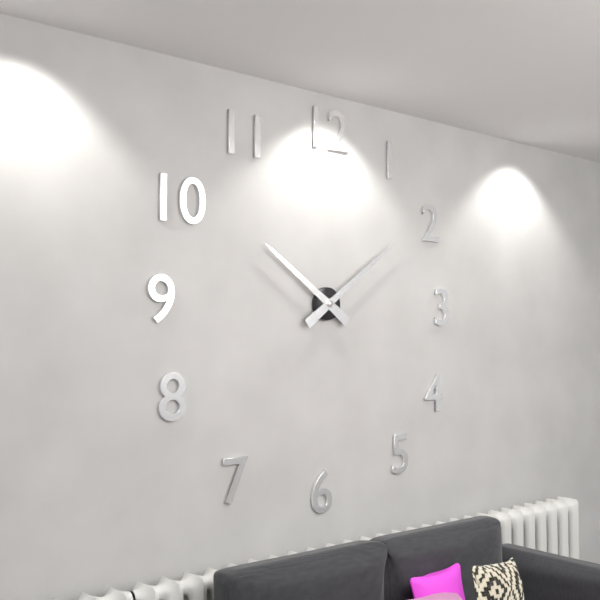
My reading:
10h09
